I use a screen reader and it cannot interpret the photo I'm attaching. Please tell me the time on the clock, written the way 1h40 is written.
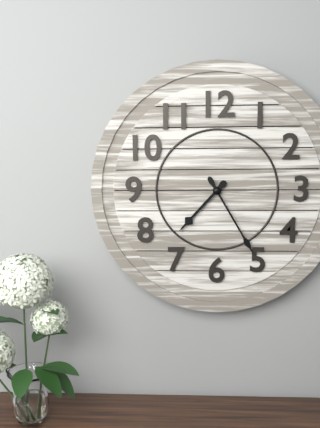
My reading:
7h25
